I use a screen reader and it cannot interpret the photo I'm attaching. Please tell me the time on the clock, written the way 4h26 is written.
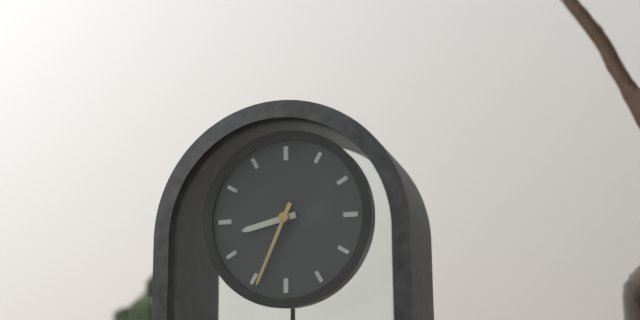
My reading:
8h34
